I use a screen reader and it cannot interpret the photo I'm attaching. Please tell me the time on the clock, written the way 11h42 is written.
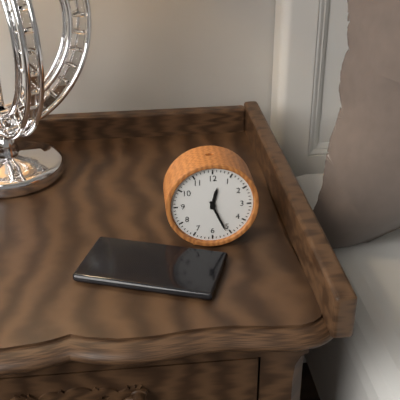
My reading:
12h26
